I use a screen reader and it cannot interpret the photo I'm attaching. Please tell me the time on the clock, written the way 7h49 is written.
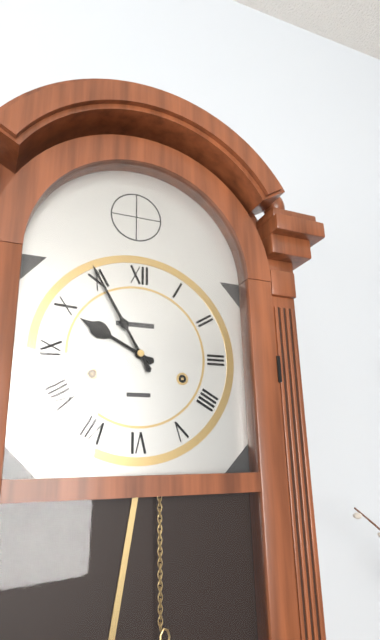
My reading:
9h55
